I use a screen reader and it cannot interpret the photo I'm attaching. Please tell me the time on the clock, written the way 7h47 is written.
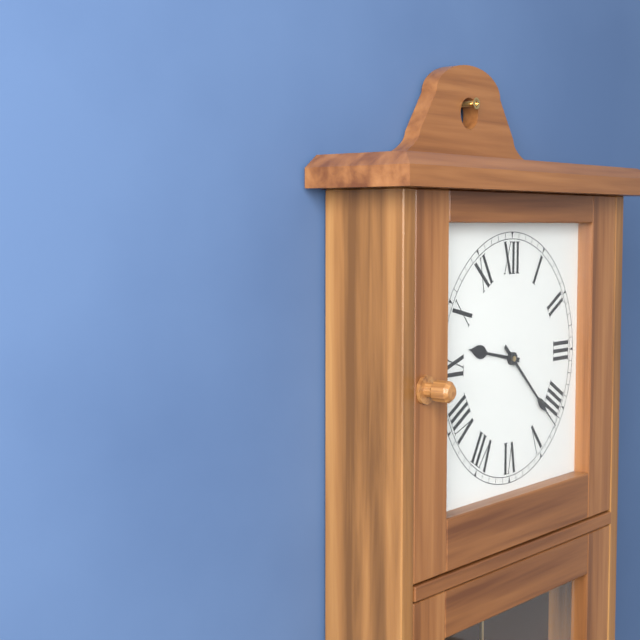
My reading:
9h22
